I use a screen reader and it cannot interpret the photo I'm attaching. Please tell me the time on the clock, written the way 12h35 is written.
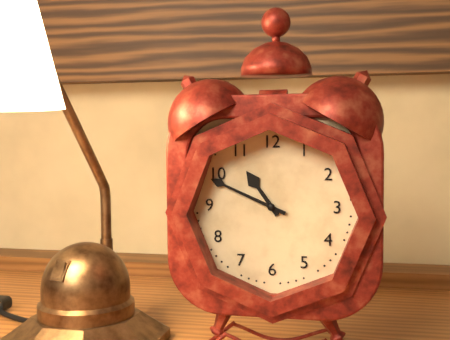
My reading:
10h49
